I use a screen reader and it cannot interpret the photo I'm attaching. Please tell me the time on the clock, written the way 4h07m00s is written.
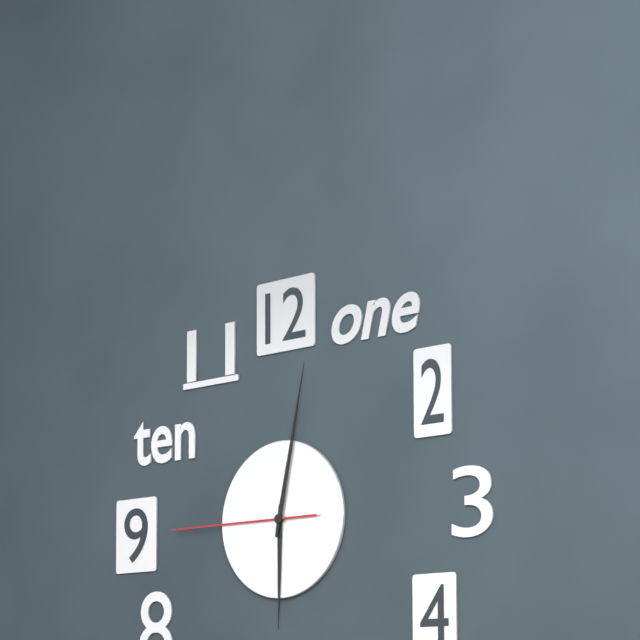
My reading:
6h02m45s
